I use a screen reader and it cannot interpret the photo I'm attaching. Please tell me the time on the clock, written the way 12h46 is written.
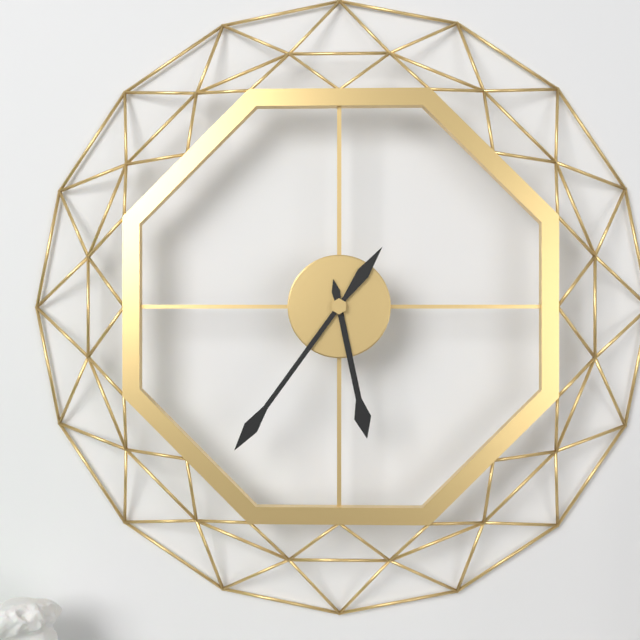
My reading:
5h36
